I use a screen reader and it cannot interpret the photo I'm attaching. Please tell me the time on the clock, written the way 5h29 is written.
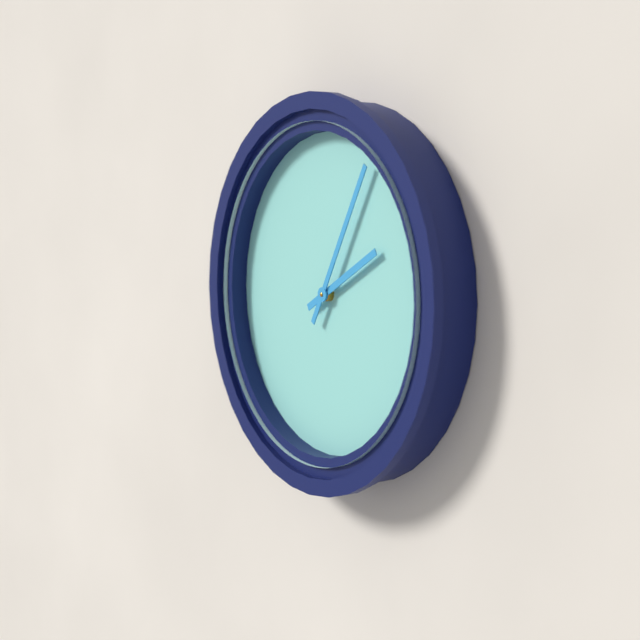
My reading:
2h05
